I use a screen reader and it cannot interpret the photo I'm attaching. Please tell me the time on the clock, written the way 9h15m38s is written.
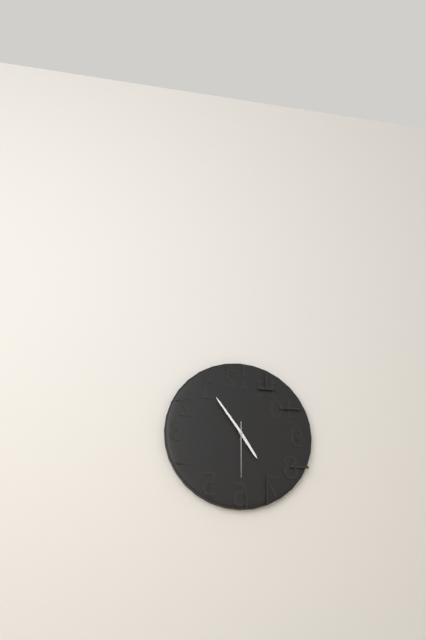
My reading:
4h54m30s
